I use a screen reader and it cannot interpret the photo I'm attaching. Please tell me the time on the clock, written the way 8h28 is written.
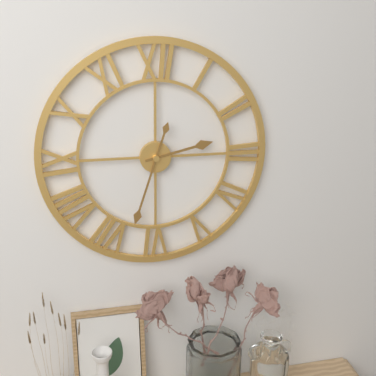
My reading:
2h33
